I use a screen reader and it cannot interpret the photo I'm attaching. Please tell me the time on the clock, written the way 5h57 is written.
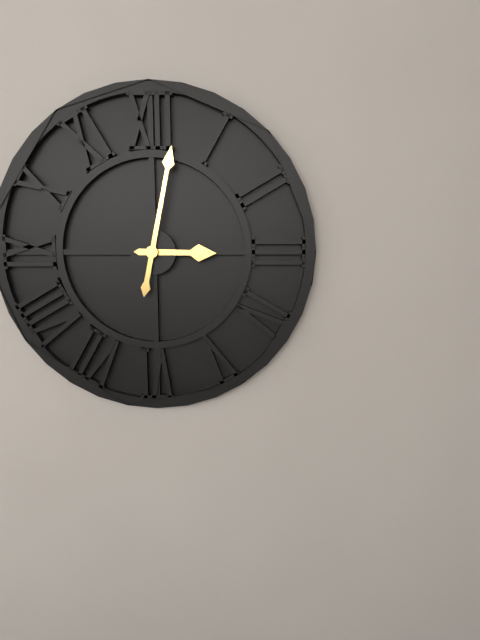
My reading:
3h02
